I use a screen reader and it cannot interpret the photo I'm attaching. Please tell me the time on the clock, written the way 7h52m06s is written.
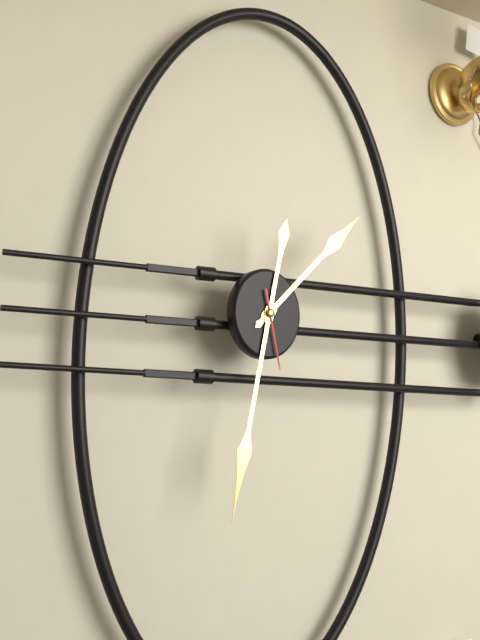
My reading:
1h32m28s
